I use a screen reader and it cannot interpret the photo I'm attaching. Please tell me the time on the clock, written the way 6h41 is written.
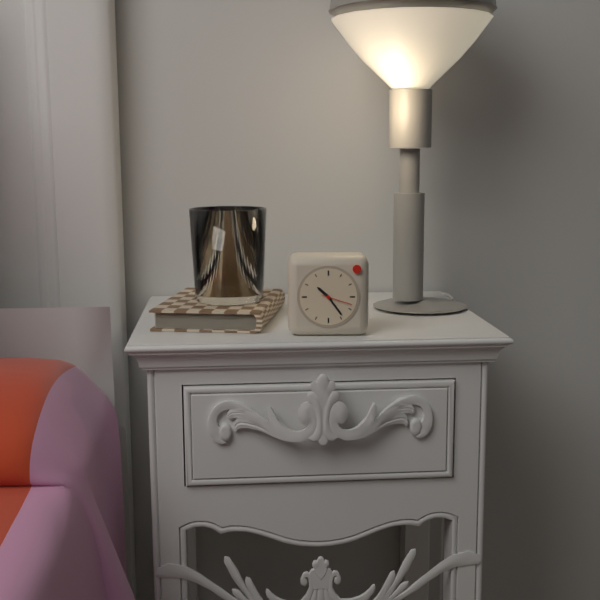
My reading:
10h24
